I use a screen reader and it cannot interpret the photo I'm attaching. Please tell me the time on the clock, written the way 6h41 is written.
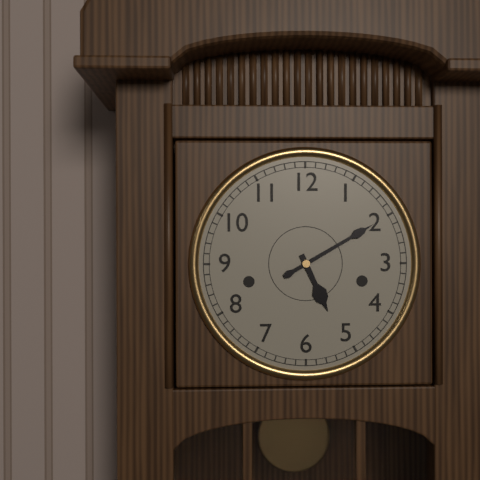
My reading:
5h10
